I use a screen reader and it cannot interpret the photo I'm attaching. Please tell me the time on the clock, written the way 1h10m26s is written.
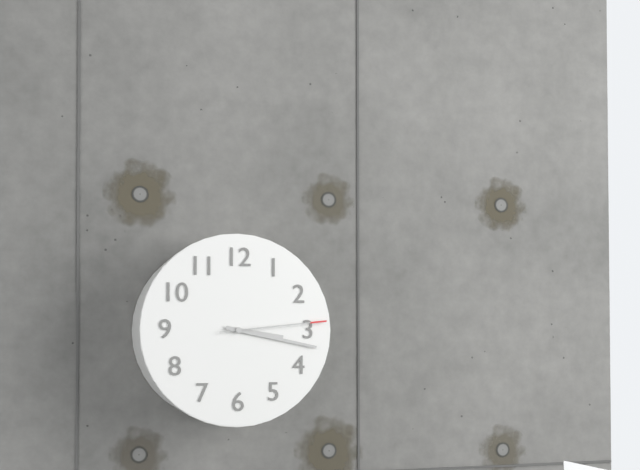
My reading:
3h17m14s
